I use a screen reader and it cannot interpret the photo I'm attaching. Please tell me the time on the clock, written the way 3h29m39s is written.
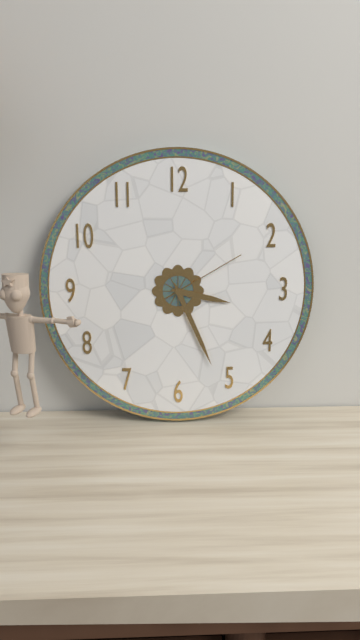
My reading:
3h26m10s
